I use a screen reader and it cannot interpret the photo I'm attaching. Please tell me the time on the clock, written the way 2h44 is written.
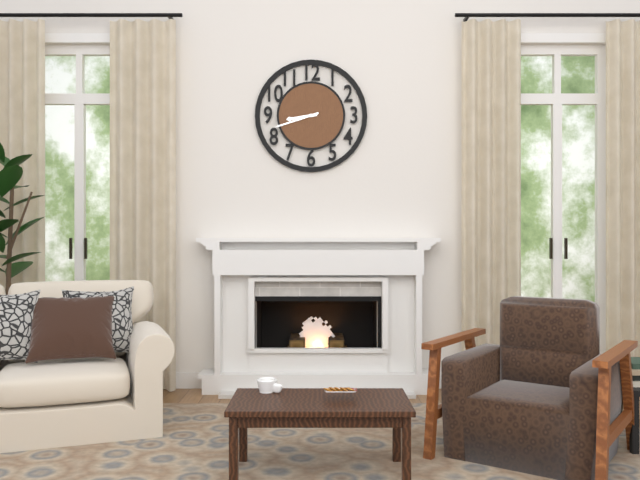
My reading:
8h42
